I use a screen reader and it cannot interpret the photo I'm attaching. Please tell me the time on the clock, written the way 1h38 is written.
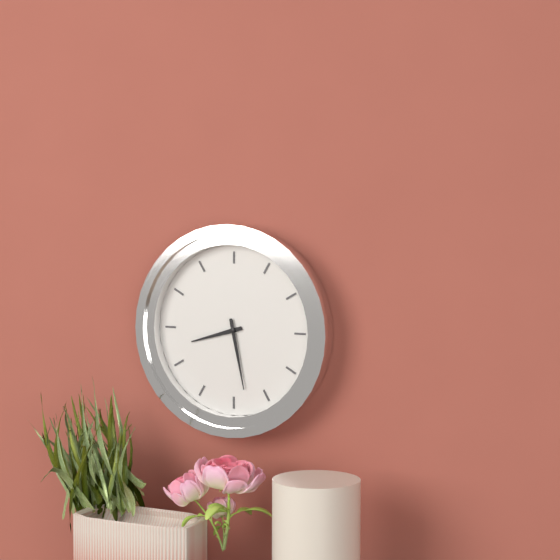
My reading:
8h28
